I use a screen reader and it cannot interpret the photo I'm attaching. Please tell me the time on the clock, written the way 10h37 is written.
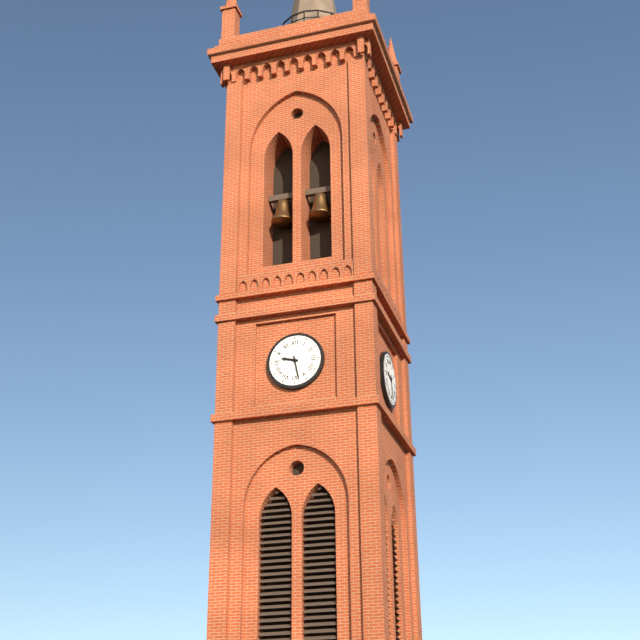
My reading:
9h28
